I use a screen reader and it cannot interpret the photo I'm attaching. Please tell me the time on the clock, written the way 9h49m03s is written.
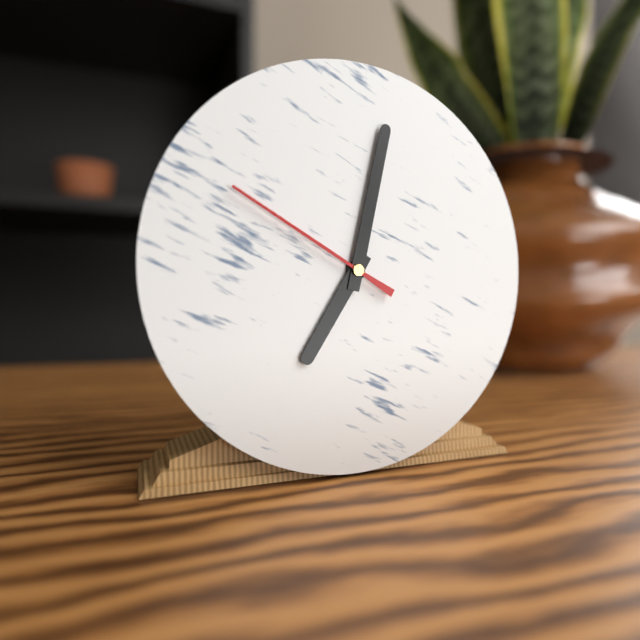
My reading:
7h02m50s
